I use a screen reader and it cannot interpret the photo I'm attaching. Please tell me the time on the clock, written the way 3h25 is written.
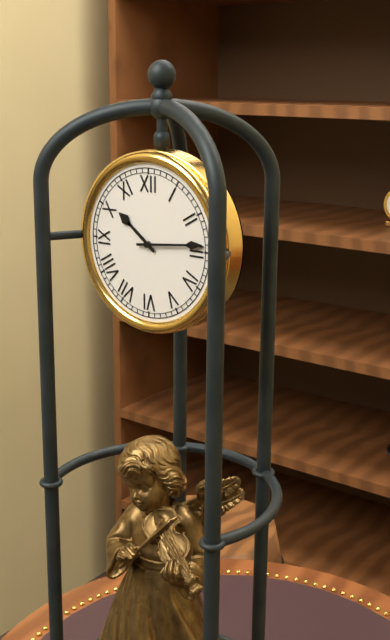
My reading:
10h14
